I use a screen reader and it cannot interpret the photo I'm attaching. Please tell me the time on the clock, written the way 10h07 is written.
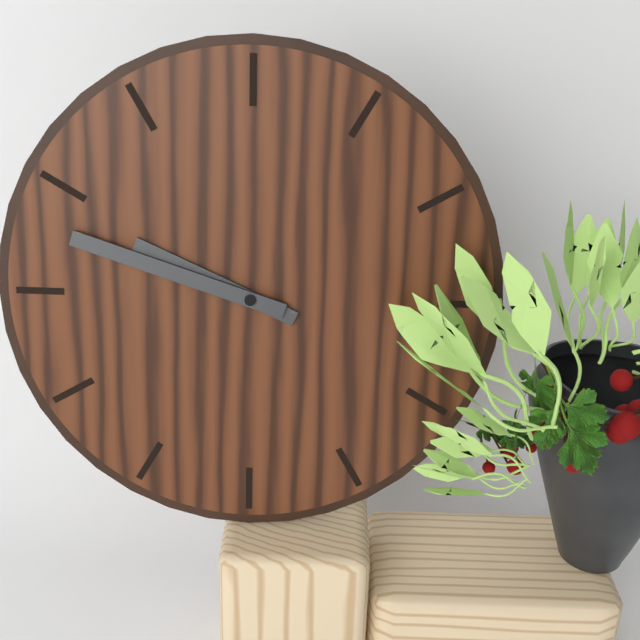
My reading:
9h48
